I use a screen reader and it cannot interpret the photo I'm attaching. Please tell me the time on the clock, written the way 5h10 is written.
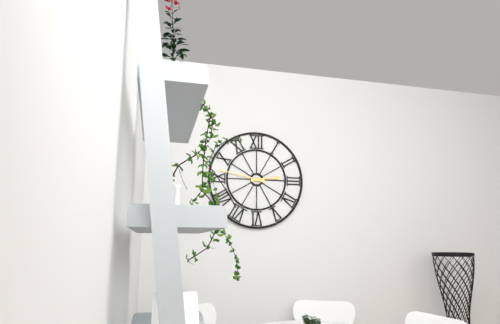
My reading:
2h47
